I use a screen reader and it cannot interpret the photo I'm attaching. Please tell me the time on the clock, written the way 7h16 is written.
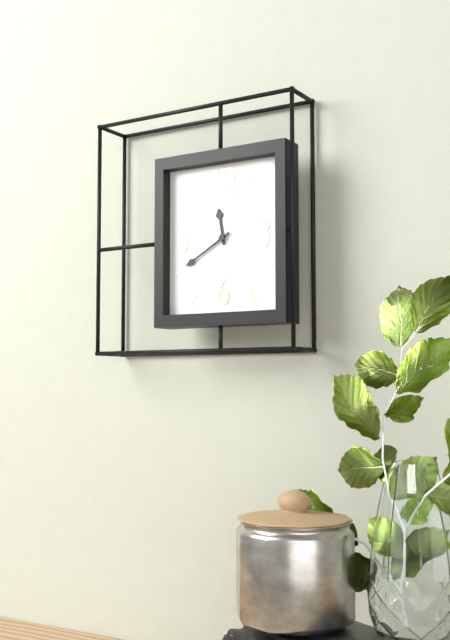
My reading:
11h40
